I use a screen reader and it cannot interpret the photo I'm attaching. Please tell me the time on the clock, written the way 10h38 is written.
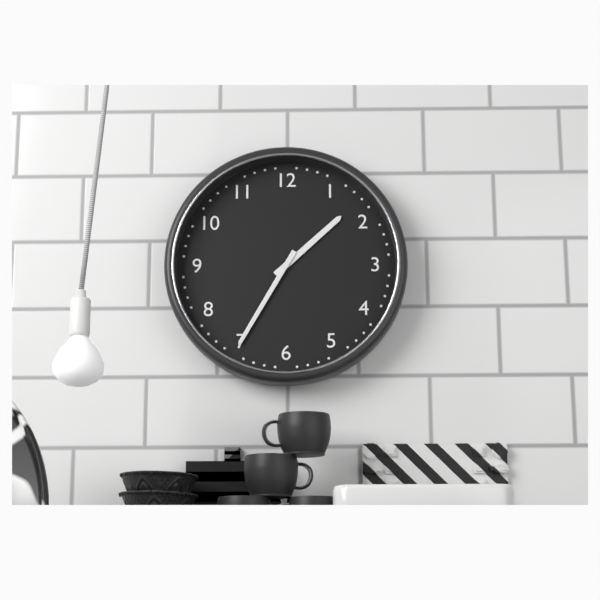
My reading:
1h35
